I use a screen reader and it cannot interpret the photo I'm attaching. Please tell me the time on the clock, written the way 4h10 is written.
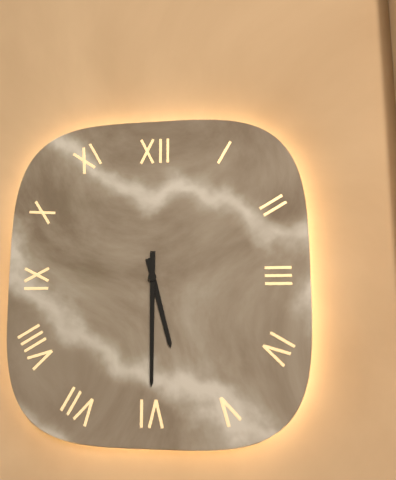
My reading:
5h30
